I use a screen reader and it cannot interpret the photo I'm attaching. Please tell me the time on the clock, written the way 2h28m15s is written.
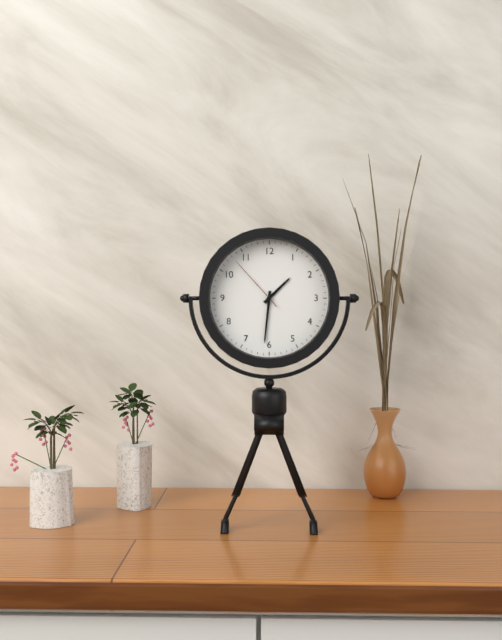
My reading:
1h31m53s
